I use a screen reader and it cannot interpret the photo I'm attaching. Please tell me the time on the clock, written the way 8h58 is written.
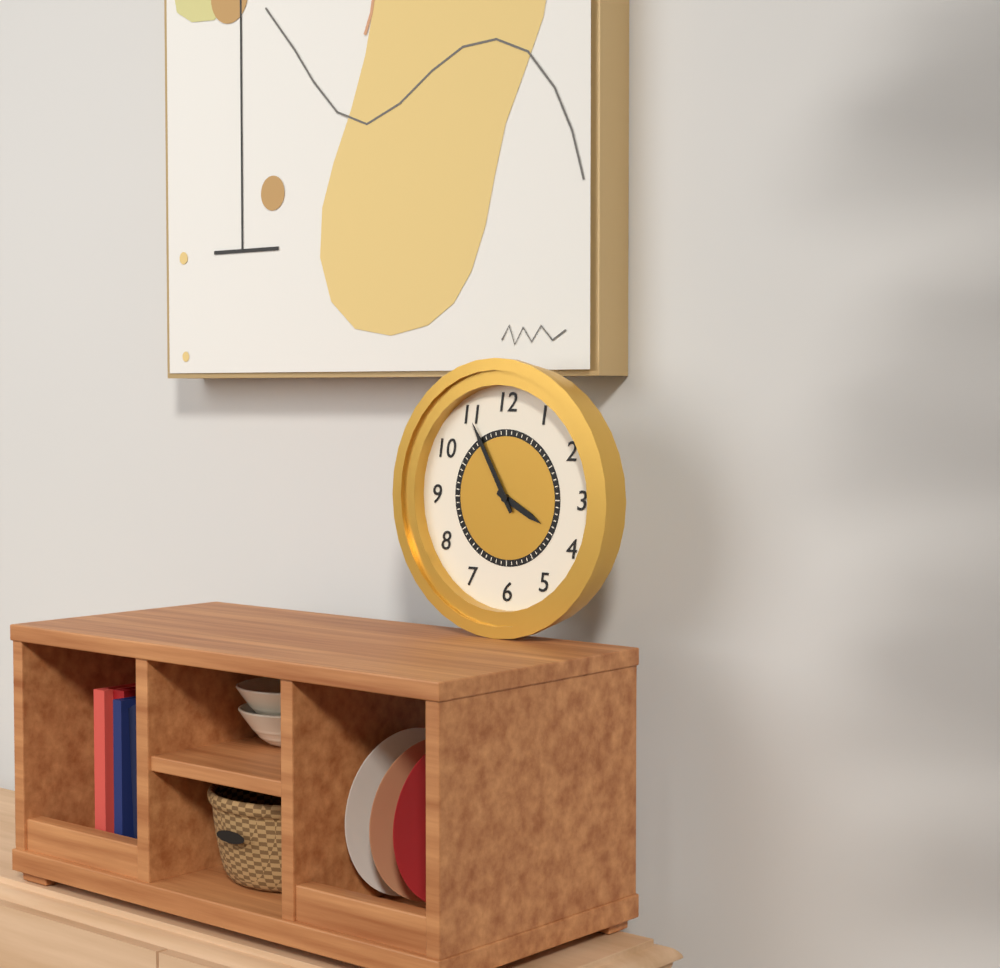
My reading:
3h55
